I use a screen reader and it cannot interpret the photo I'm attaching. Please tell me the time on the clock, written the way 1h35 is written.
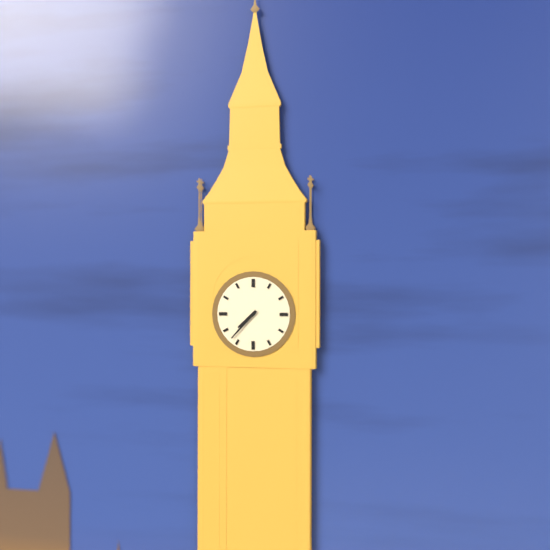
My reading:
7h37
